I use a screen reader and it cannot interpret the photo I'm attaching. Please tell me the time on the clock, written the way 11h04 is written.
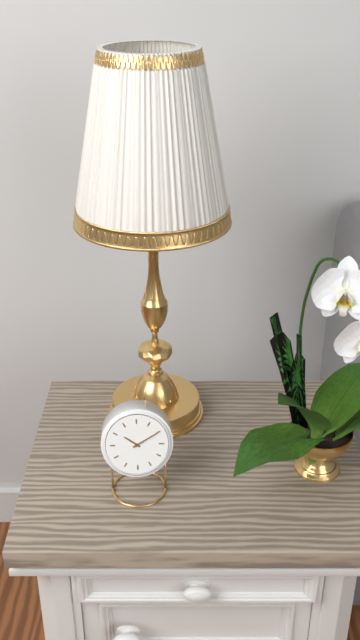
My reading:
10h10
